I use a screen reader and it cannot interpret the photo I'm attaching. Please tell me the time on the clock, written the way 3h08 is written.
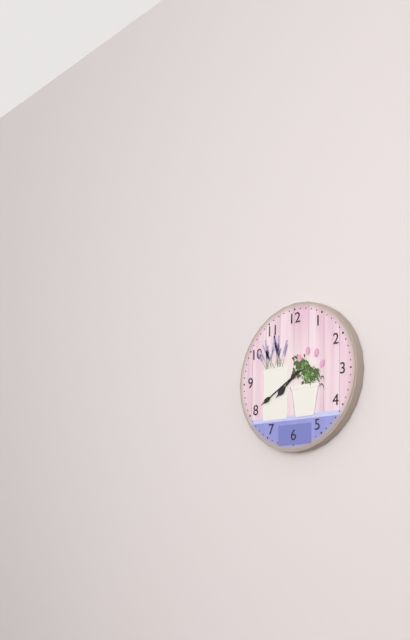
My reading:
7h40
